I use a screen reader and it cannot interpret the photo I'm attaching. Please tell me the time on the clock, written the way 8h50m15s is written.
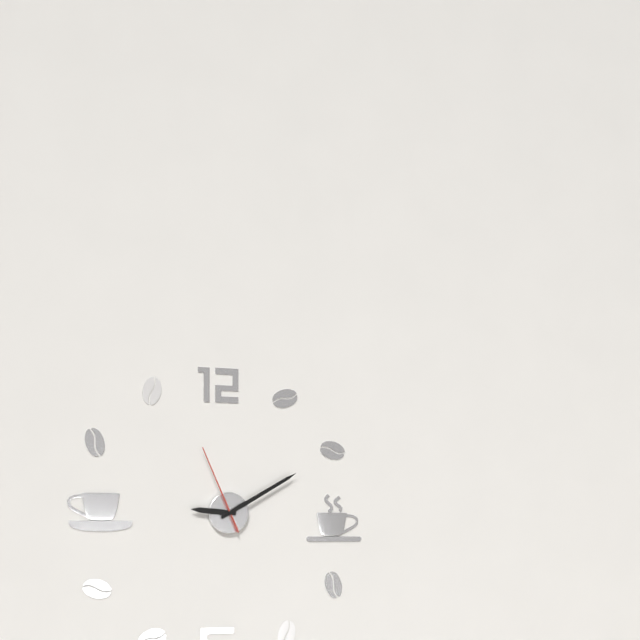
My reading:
9h10m56s
